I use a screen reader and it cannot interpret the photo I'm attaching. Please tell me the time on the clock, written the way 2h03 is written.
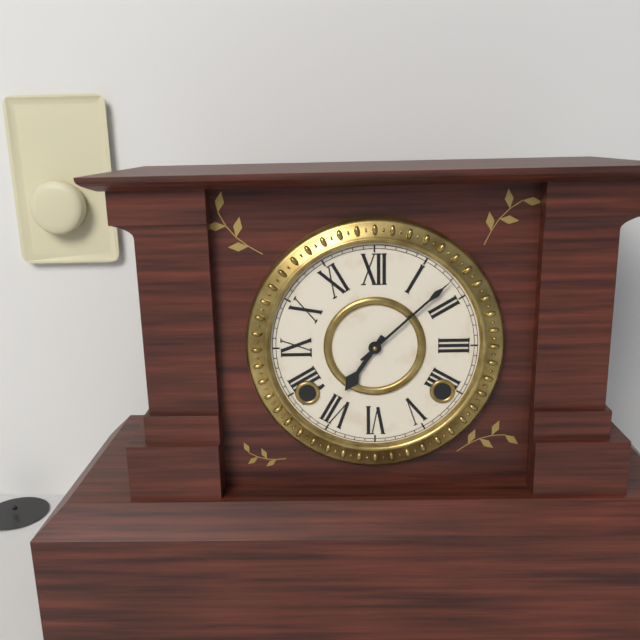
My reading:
7h08
